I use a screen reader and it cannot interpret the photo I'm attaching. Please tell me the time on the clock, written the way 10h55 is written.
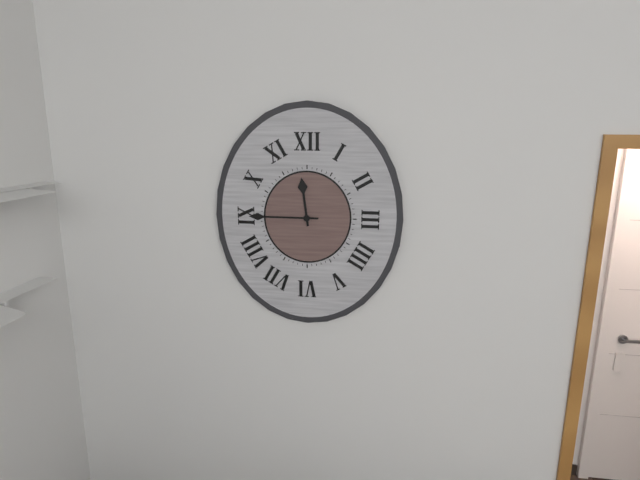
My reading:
11h45
